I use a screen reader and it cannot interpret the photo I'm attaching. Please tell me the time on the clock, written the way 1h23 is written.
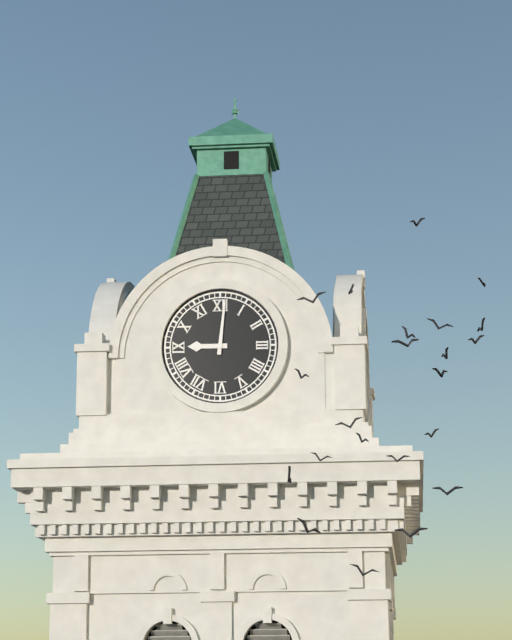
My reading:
9h01
